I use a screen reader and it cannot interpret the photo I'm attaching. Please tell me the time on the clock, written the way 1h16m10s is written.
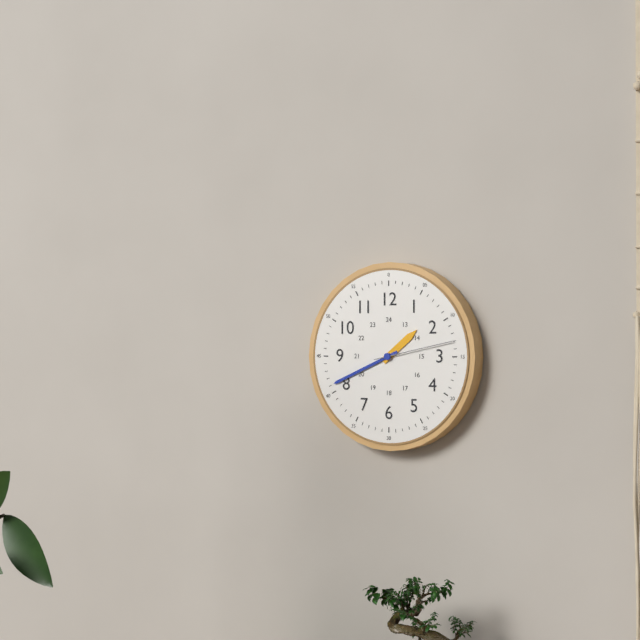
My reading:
1h41m13s
